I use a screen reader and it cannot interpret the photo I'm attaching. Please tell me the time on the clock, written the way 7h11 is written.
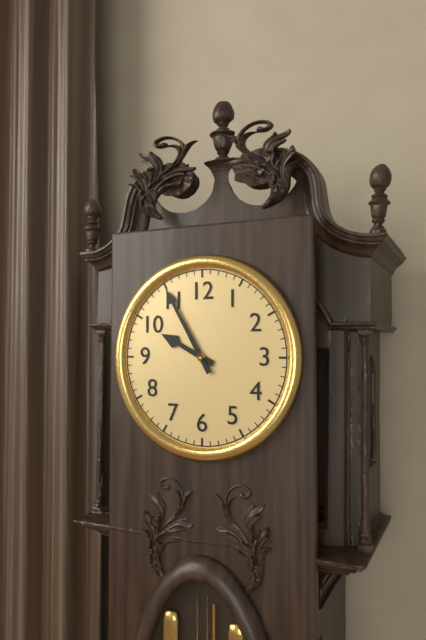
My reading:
9h55
